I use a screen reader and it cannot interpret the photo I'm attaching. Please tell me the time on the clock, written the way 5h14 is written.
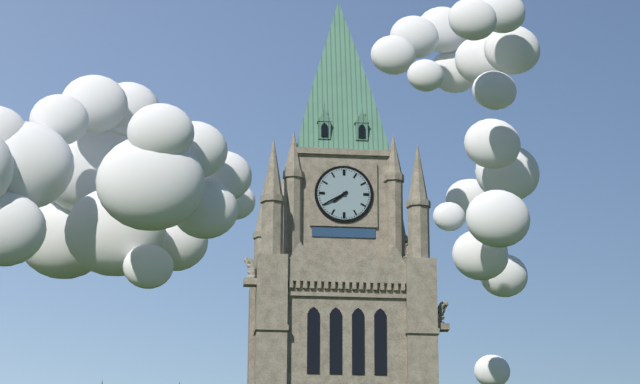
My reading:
7h40
